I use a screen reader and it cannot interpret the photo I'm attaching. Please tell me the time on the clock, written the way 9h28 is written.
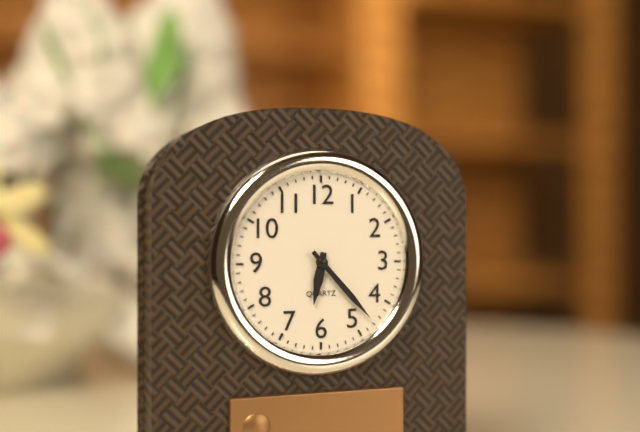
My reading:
6h23
